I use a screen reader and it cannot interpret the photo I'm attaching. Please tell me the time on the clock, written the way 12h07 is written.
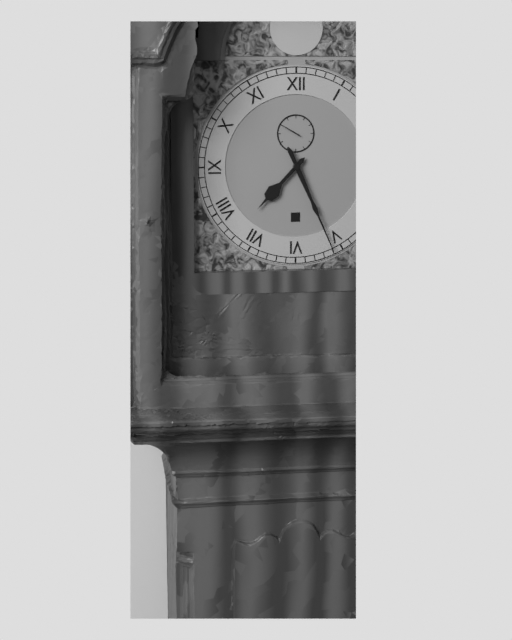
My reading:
7h26
